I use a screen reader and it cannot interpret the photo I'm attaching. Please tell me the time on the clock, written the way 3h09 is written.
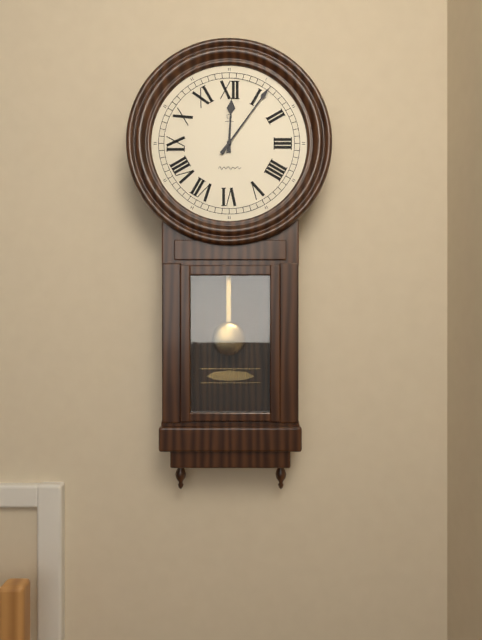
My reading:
12h06
